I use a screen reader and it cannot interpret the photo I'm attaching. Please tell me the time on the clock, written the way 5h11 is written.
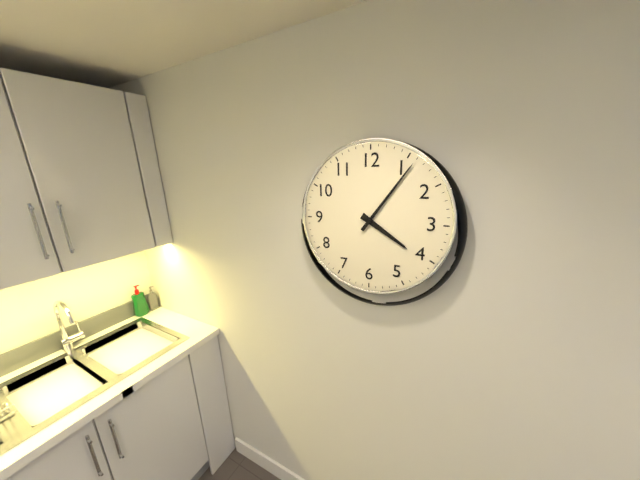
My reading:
4h06
